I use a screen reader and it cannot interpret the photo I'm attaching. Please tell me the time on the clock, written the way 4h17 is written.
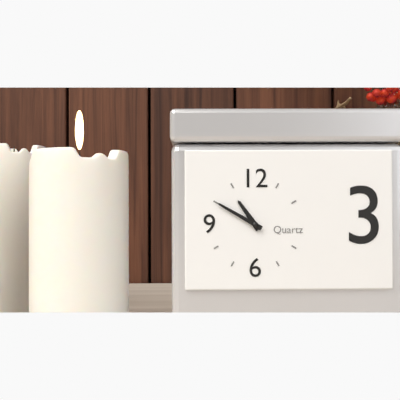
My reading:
10h50
